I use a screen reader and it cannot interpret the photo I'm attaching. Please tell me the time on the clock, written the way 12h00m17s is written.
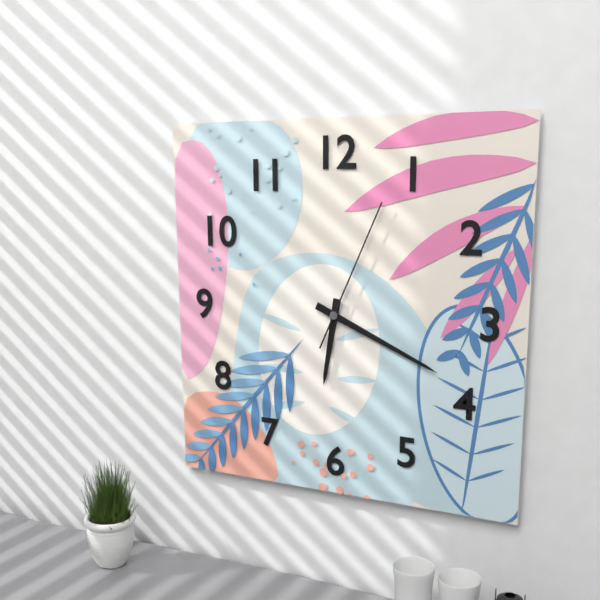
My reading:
6h19m04s
